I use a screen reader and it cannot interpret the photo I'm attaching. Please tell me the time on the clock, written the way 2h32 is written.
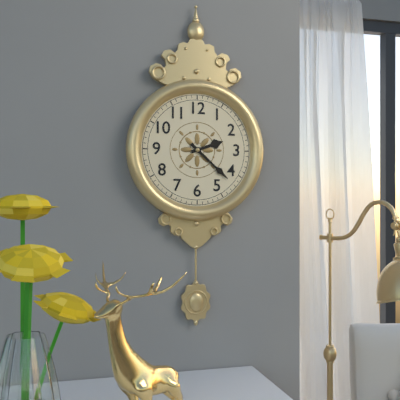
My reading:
2h22
